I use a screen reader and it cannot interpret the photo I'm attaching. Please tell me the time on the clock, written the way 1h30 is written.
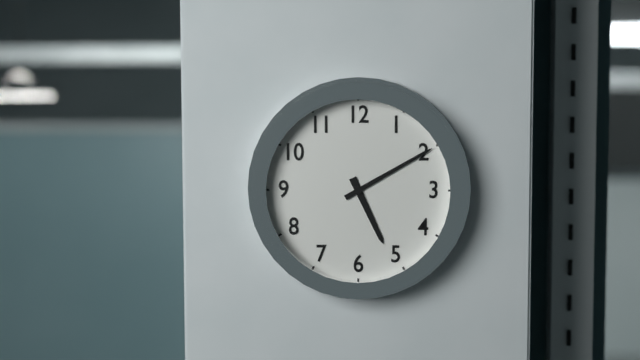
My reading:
5h10
